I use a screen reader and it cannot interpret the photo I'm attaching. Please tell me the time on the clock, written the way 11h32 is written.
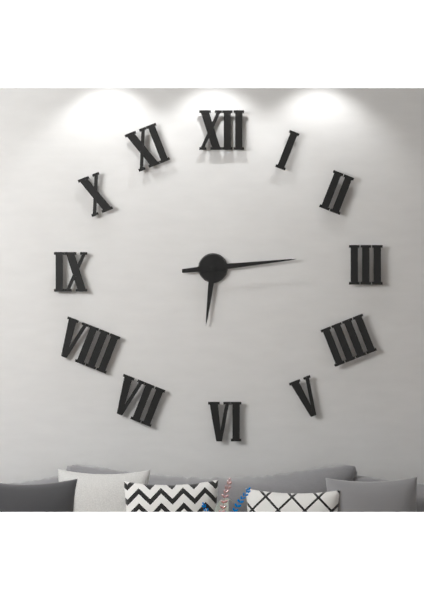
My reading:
6h14
